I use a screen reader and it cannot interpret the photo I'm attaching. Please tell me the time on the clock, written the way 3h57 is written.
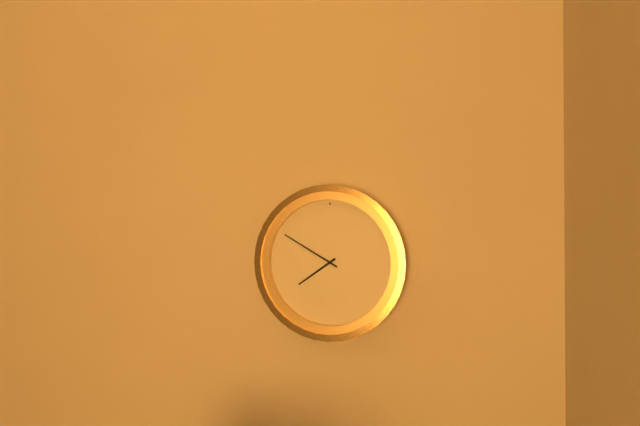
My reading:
7h50
